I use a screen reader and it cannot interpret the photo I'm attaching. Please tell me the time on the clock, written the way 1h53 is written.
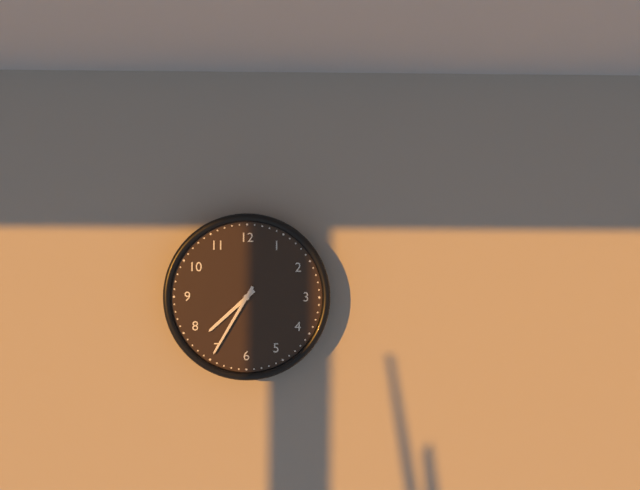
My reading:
7h35
